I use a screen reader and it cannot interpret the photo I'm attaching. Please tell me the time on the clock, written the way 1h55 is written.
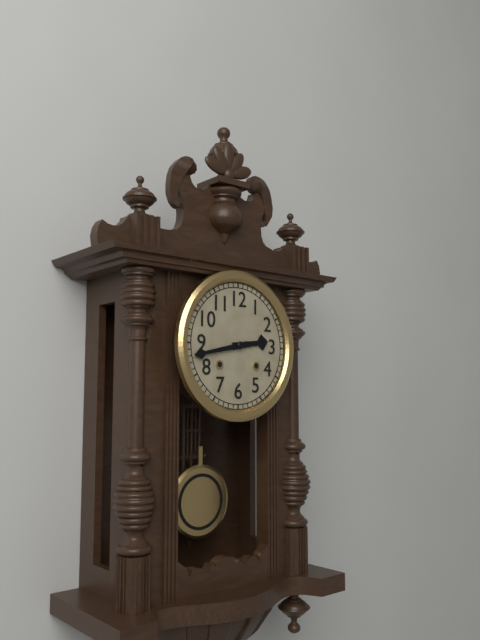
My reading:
2h43
